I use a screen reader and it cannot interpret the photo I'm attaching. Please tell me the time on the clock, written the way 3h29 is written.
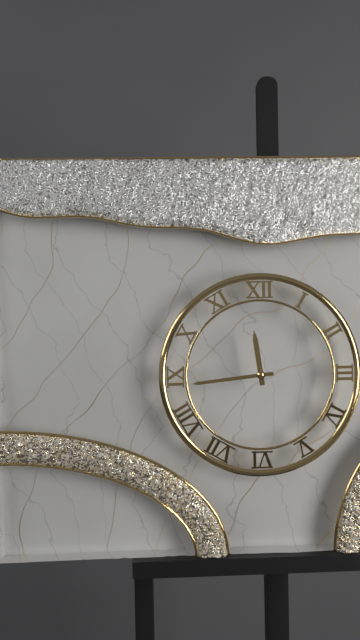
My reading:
11h44
